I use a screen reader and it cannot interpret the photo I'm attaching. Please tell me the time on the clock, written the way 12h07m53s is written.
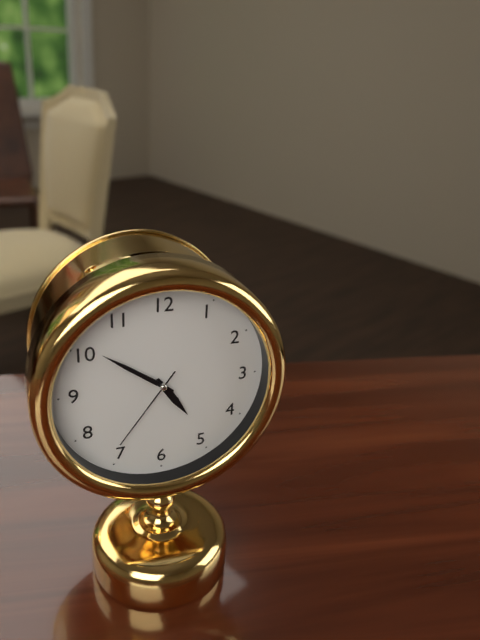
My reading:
4h51m36s
